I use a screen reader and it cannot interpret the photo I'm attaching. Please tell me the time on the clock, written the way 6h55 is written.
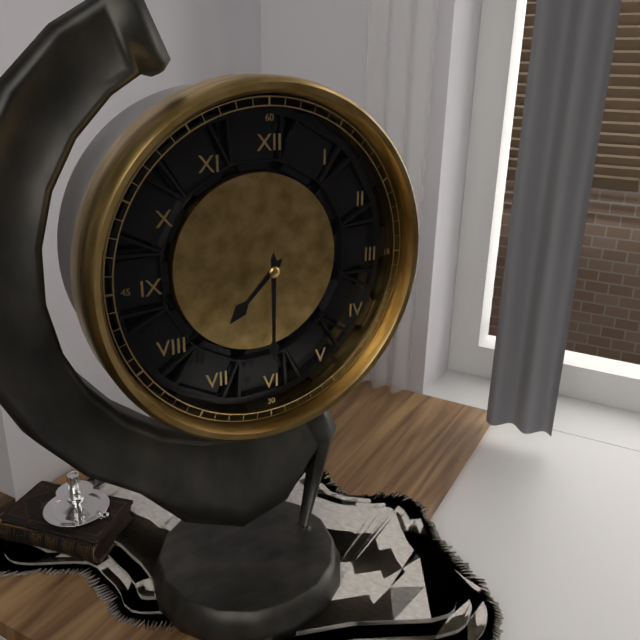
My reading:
7h30
